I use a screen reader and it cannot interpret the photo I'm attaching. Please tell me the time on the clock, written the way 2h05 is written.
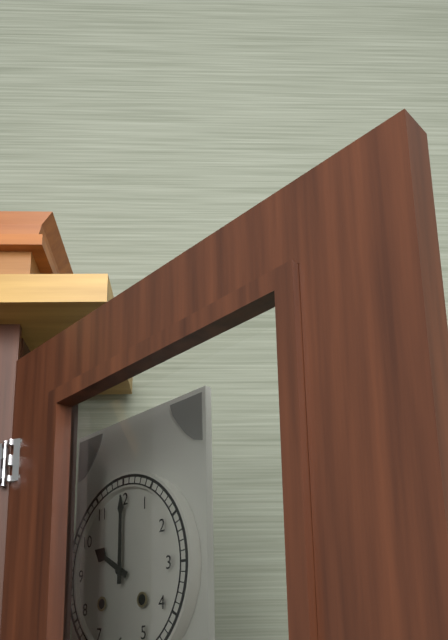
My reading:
10h00
